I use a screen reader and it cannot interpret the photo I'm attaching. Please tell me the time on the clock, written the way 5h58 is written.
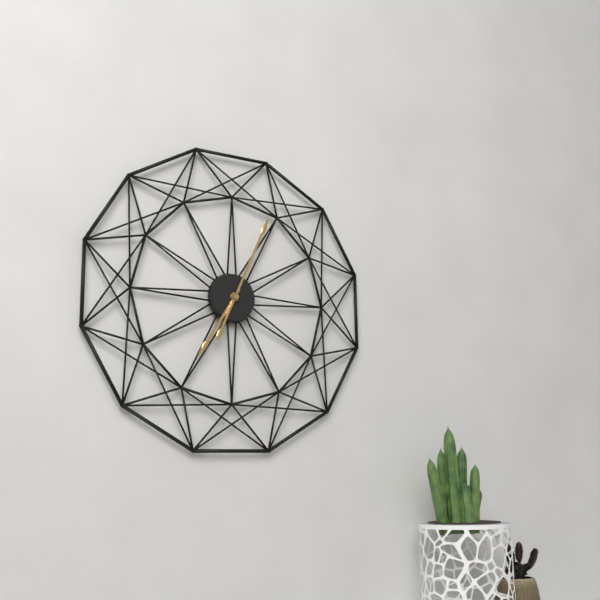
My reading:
7h04
